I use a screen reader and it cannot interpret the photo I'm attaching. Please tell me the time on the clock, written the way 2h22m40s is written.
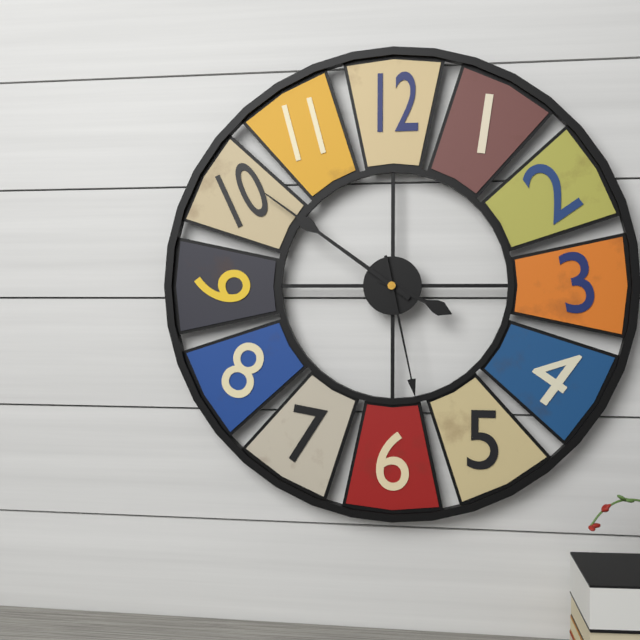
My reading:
3h51m28s
